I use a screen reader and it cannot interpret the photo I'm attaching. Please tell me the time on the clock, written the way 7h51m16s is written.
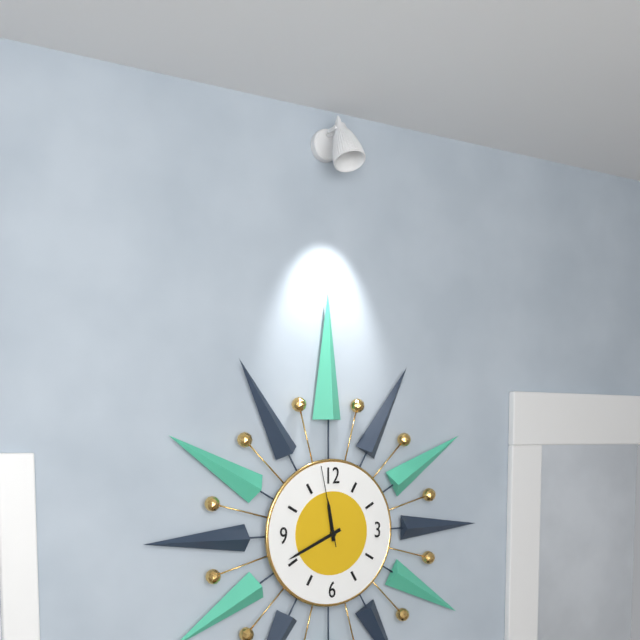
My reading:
11h41m58s
